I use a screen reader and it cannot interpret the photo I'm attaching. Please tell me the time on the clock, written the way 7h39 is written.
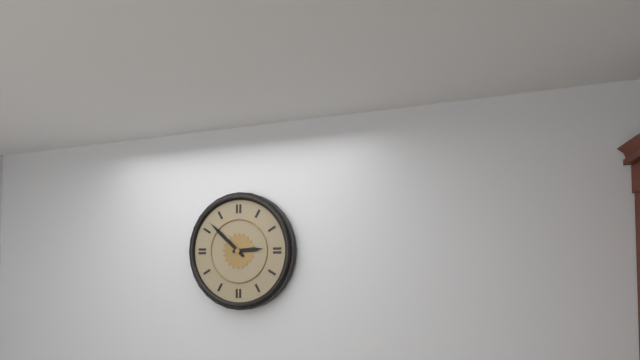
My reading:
2h52
